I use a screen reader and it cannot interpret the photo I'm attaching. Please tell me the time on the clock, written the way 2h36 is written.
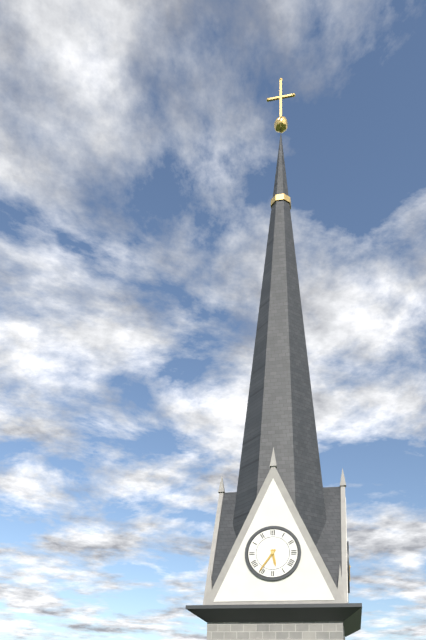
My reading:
5h36
